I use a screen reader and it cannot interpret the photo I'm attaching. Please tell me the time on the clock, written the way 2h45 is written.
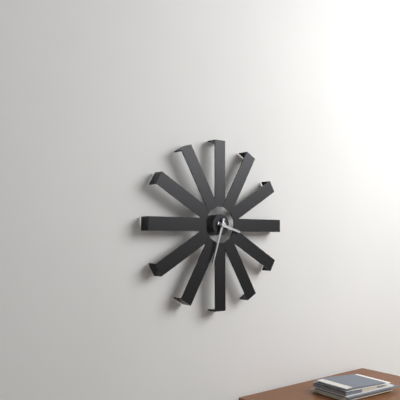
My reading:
3h33
